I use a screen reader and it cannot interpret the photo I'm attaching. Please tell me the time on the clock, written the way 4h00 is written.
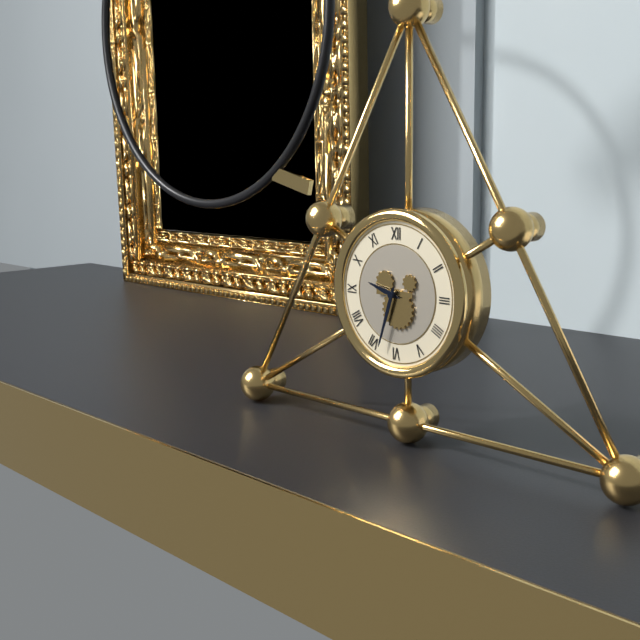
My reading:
9h33
